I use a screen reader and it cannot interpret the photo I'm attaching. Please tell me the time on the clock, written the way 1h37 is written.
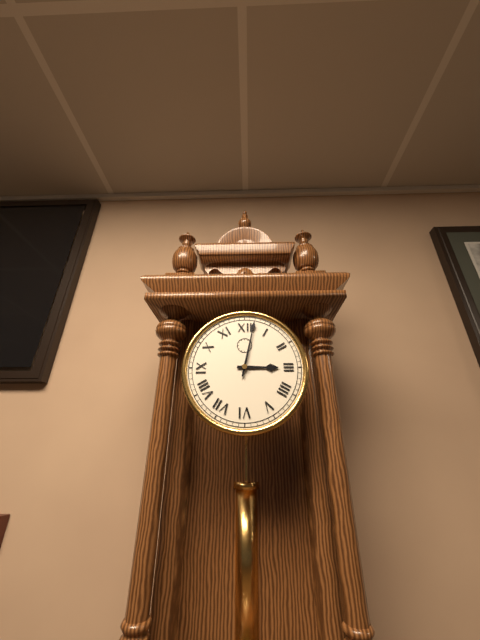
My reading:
3h02
